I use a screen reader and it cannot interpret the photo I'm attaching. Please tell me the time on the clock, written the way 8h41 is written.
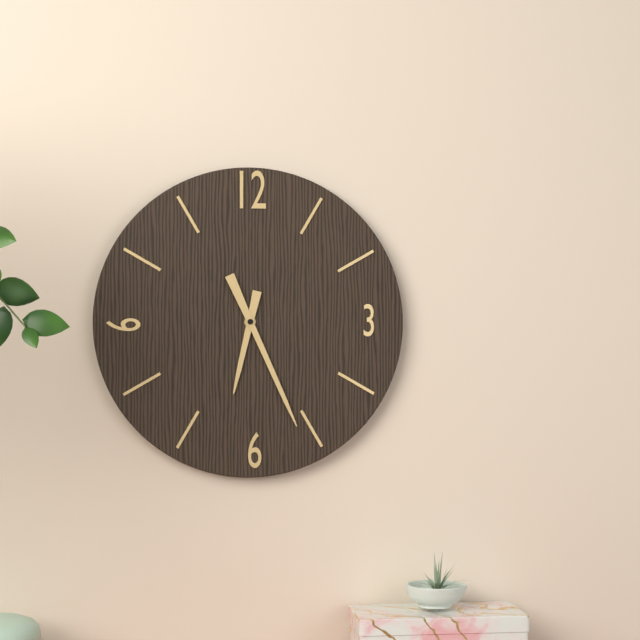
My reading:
6h26
